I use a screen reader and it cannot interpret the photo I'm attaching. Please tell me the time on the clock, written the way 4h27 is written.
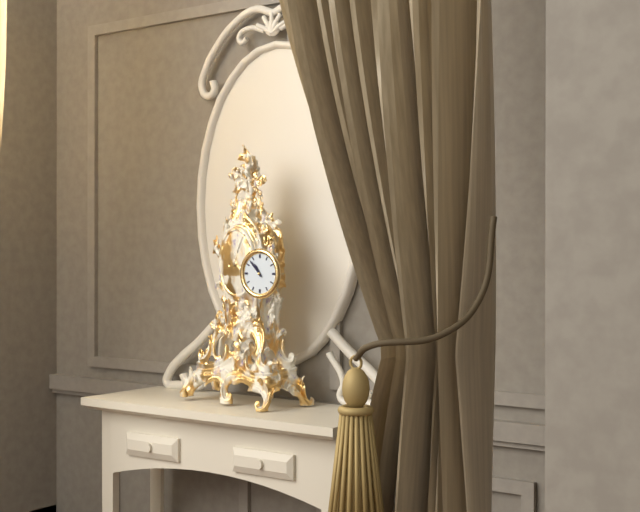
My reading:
10h53
